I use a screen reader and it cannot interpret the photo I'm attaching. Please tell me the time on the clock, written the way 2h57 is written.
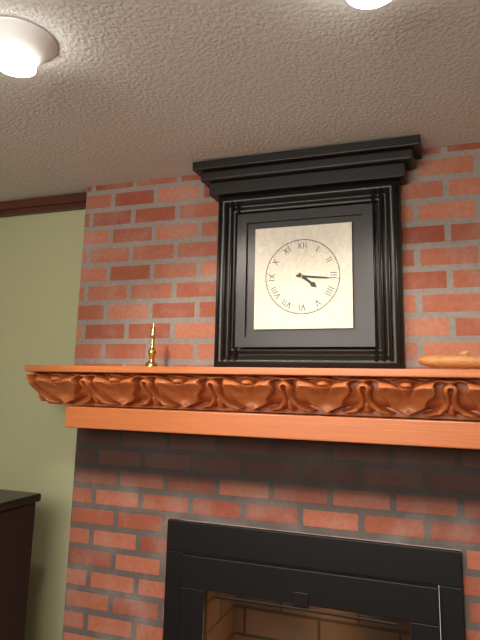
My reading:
4h16
